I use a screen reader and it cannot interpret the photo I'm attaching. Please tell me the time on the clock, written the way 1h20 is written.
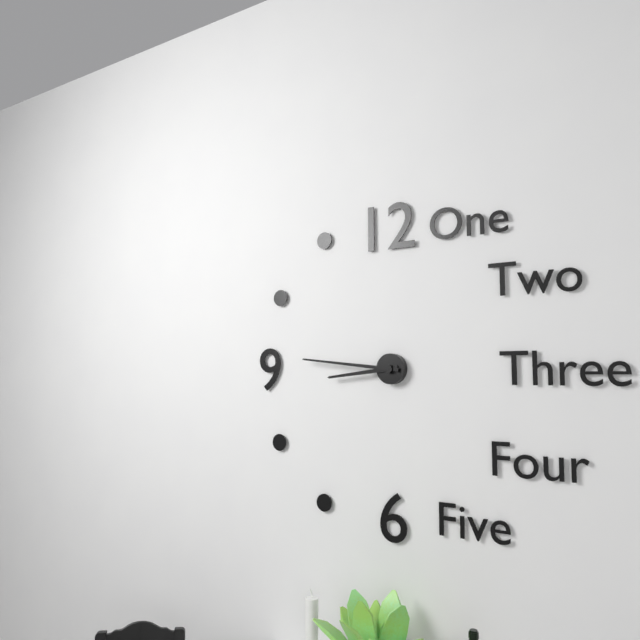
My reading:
8h46
